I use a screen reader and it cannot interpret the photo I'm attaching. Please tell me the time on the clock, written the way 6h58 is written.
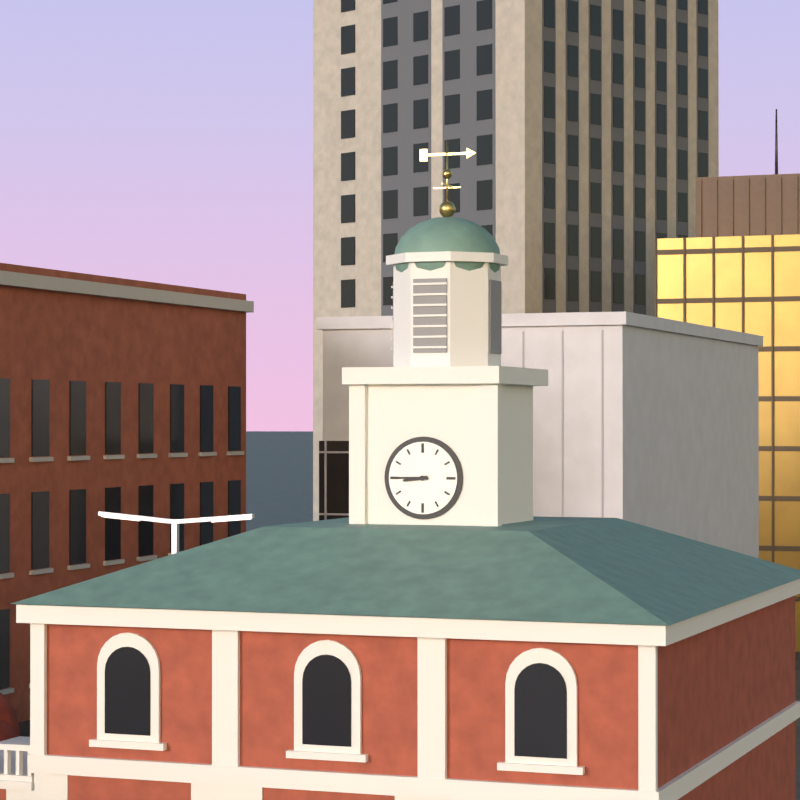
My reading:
8h45
